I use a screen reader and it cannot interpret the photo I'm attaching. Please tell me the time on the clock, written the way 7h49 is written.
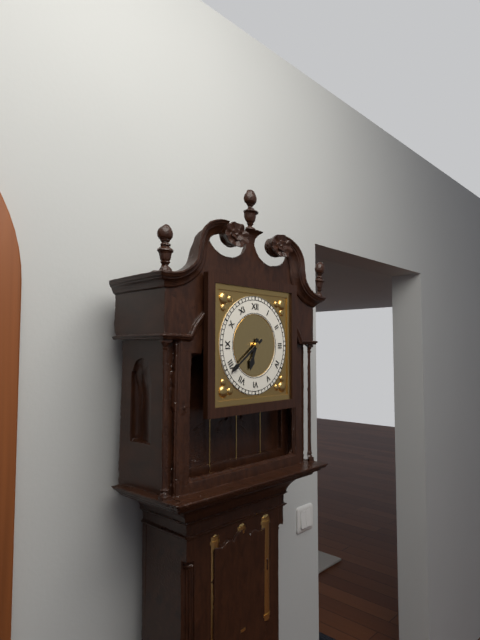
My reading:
6h39
